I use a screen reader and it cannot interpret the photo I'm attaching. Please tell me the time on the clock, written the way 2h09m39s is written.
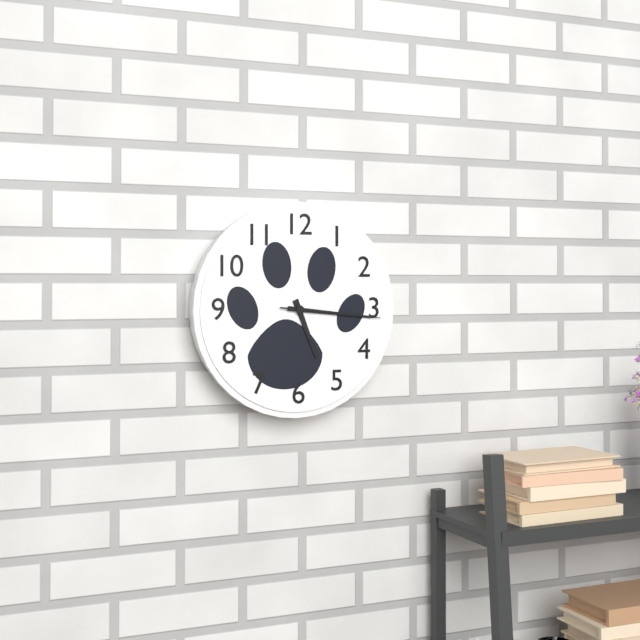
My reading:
5h16m16s
